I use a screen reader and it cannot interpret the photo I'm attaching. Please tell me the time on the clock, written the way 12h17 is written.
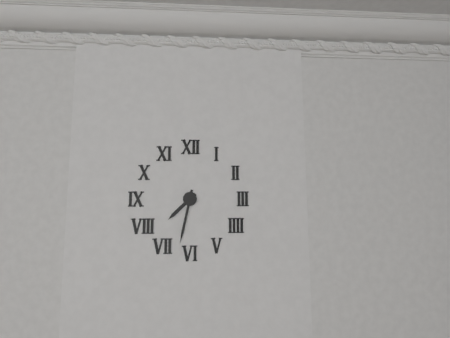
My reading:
7h32
